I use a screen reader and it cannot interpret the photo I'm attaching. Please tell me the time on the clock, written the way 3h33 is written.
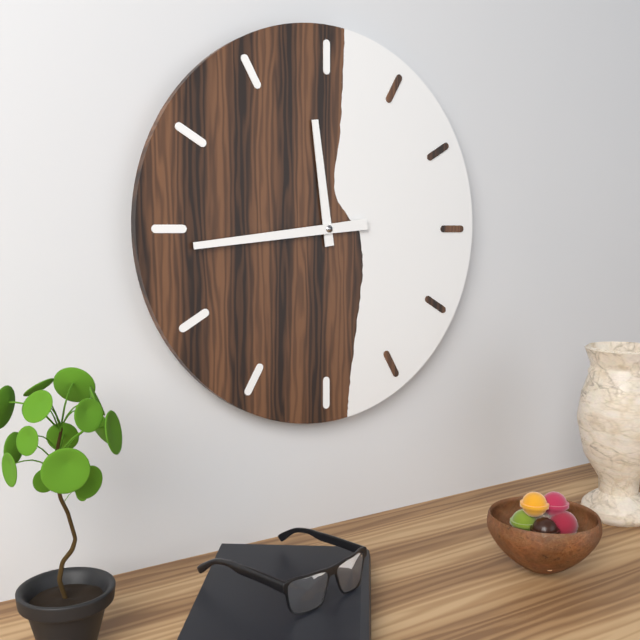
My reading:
11h44
